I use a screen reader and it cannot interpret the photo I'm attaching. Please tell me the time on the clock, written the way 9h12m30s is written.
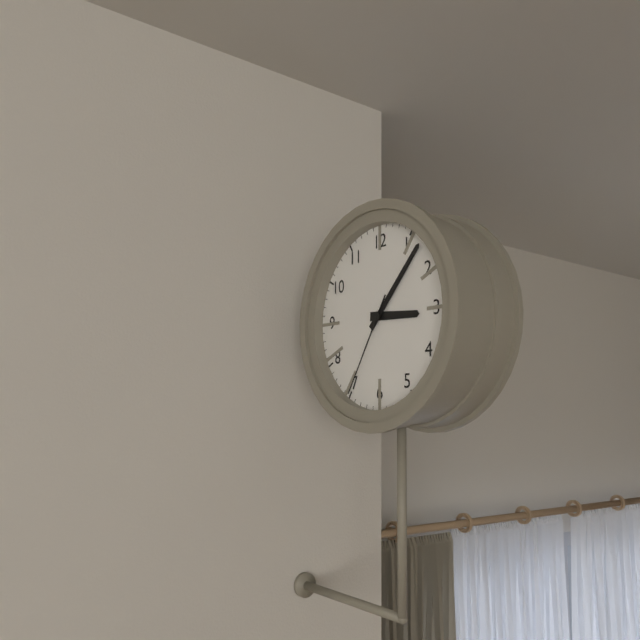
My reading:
3h07m35s
